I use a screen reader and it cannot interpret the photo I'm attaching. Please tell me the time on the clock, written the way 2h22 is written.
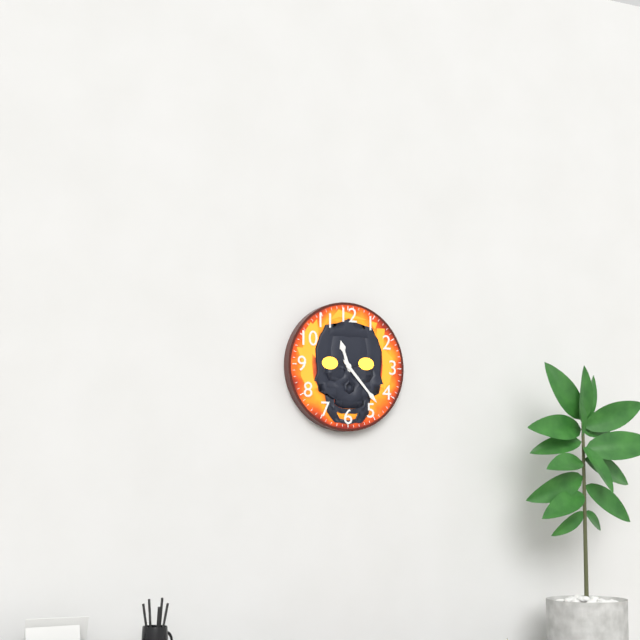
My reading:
11h23
